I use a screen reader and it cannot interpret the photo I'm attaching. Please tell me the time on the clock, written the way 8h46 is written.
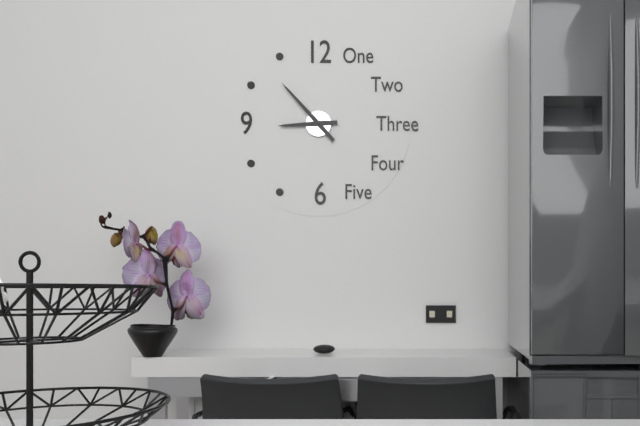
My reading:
8h53
